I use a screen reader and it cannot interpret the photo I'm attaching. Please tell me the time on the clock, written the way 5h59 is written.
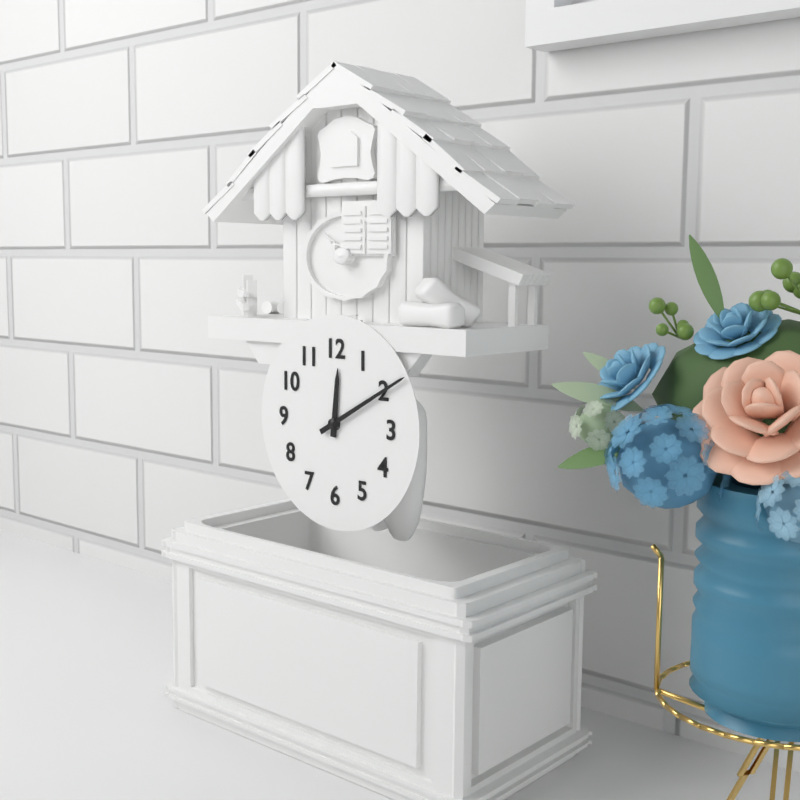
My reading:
12h10
